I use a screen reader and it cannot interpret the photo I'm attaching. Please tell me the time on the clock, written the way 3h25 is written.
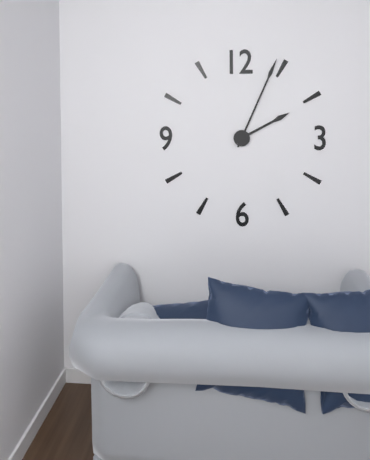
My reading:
2h04
